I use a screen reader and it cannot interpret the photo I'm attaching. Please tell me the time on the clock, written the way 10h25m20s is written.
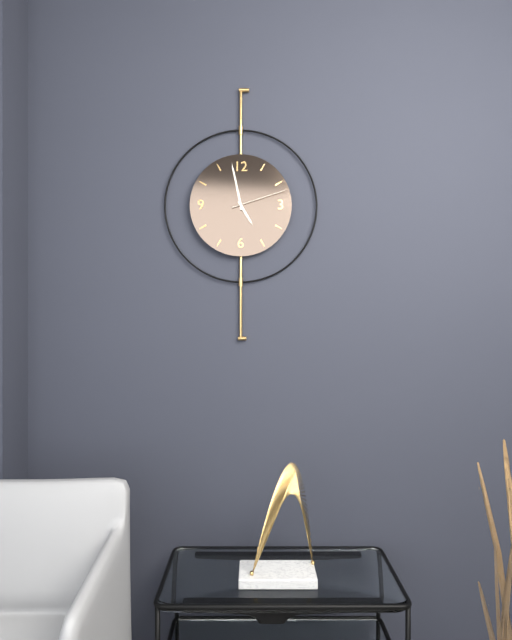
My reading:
4h58m12s
